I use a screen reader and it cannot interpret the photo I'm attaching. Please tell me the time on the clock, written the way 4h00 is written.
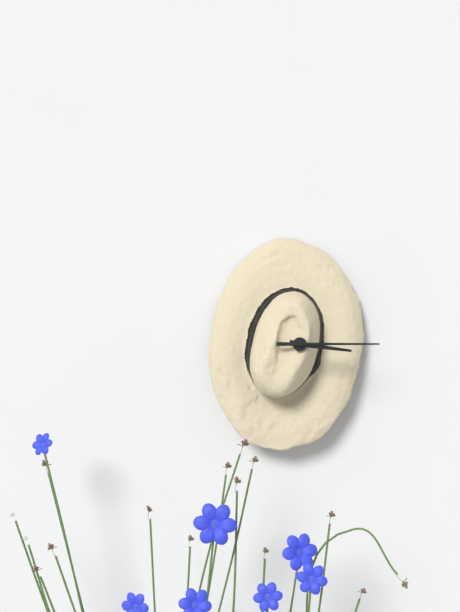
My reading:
3h15
